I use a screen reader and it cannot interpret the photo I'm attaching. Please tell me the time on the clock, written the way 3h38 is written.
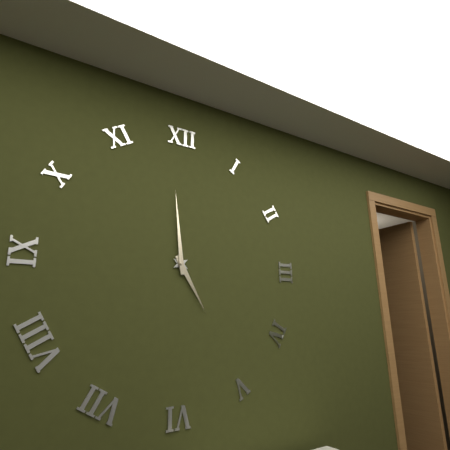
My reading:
4h59
